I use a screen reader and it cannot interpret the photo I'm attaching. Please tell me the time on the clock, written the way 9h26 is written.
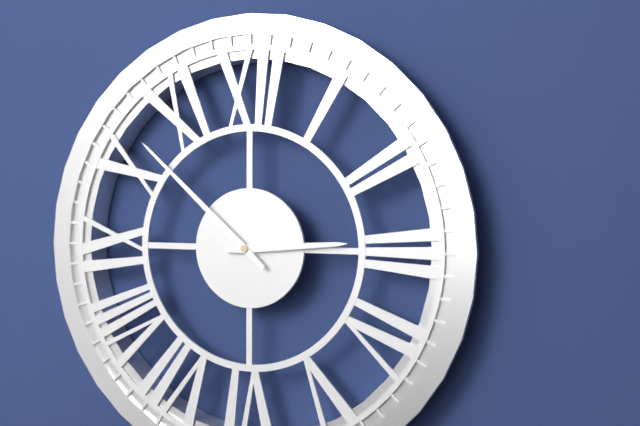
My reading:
2h52
